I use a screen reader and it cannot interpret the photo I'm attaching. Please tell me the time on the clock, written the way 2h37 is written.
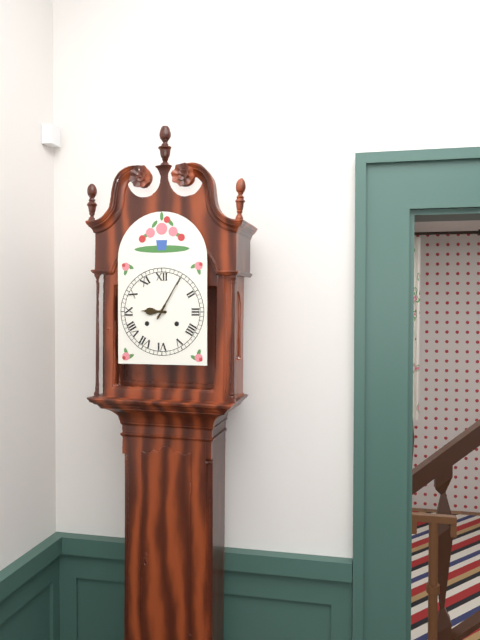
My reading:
9h05
